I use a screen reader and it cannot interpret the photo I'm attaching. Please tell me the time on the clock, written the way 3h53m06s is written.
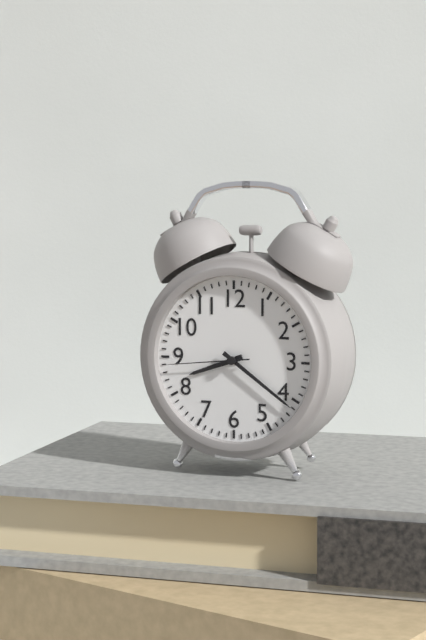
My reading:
8h21m44s
